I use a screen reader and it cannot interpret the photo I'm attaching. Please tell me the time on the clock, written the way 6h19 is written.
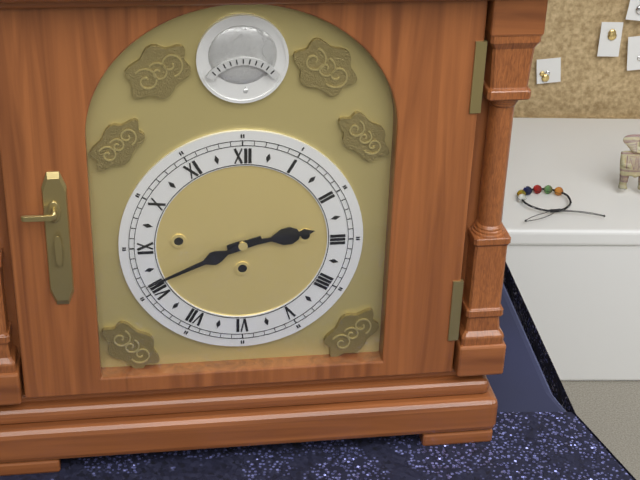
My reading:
2h41
